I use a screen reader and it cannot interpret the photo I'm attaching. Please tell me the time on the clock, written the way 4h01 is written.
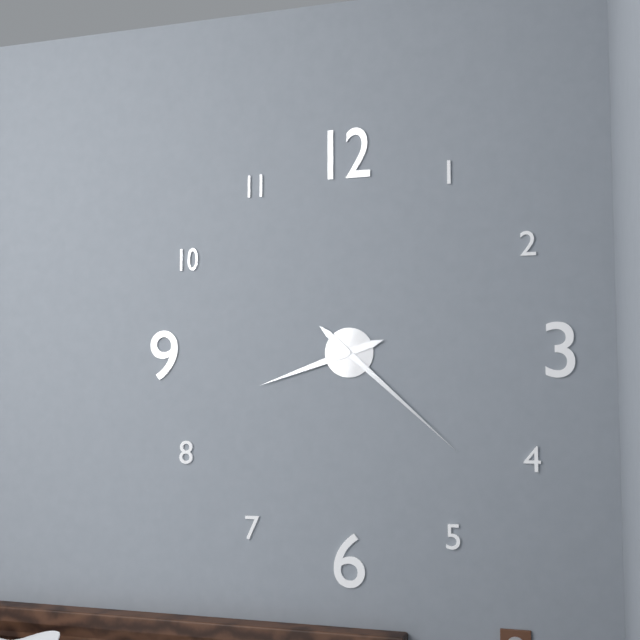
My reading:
8h22
